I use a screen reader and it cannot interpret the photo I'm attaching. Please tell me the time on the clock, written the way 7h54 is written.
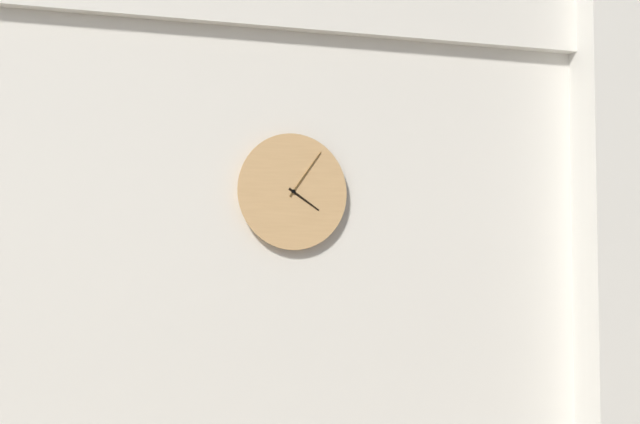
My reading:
4h06
